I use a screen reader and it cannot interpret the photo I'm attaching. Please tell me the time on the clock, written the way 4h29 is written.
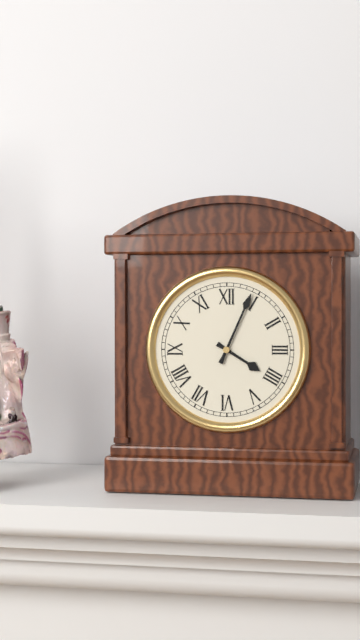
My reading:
4h04
